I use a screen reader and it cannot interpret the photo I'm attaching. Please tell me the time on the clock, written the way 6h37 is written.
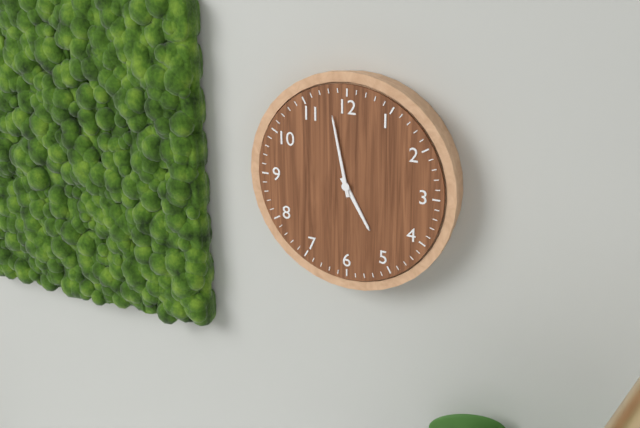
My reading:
4h58
